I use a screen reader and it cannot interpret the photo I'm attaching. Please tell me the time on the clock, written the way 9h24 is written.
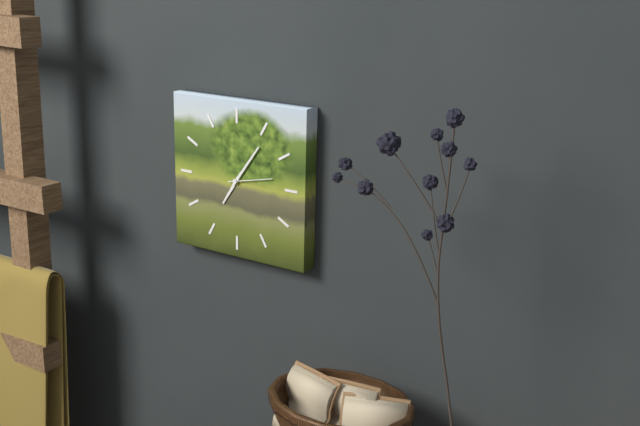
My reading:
7h06
